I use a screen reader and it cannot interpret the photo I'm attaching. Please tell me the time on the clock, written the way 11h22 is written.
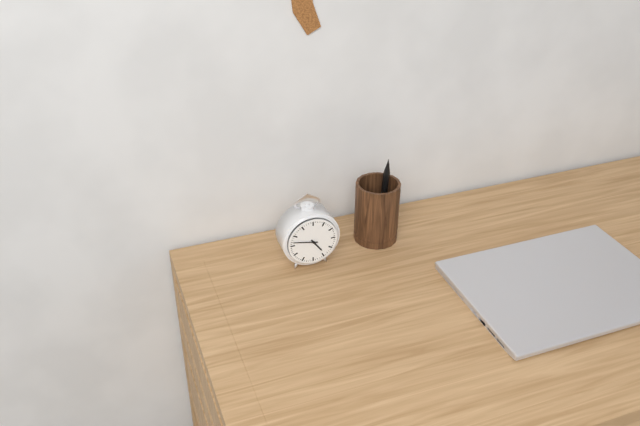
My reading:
4h47
